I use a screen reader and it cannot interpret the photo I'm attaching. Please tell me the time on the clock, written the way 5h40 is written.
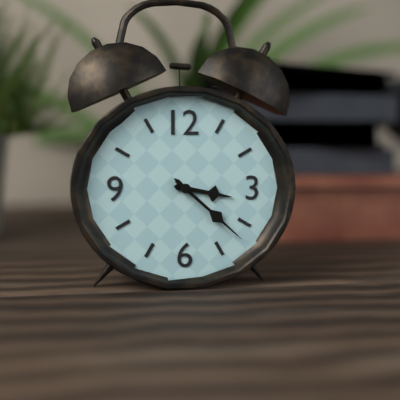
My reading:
3h22
